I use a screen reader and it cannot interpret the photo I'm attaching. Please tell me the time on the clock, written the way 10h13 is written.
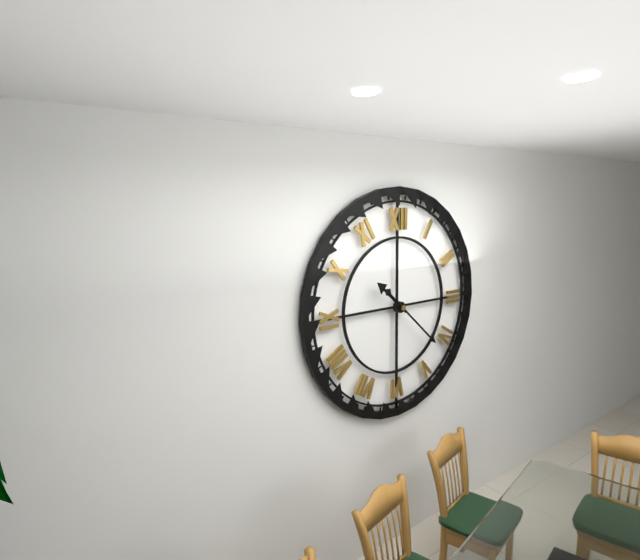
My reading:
10h22
